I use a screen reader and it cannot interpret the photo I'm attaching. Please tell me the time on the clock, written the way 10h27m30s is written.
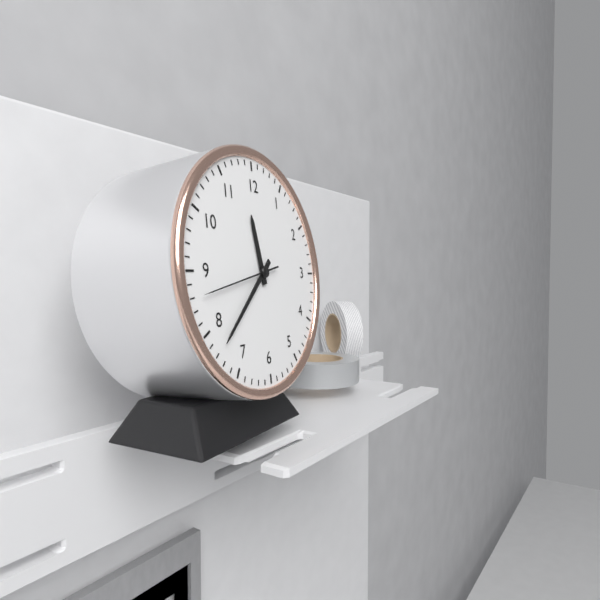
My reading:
11h38m43s
